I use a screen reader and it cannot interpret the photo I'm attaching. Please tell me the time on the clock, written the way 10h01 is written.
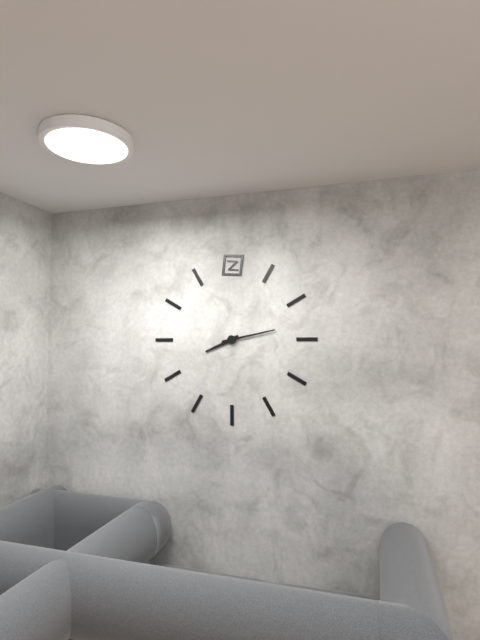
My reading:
8h13
